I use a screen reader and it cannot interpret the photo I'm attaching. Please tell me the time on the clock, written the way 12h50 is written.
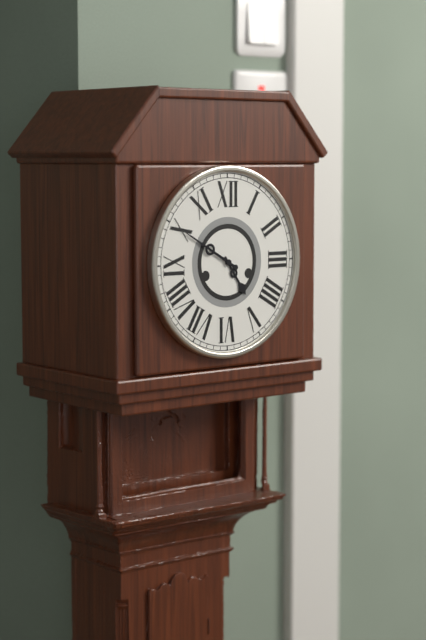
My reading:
4h50
